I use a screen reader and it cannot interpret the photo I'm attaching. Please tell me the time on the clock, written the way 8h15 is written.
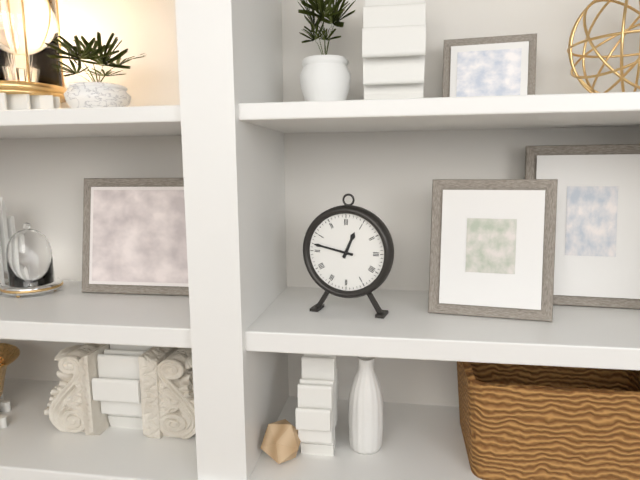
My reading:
12h47
